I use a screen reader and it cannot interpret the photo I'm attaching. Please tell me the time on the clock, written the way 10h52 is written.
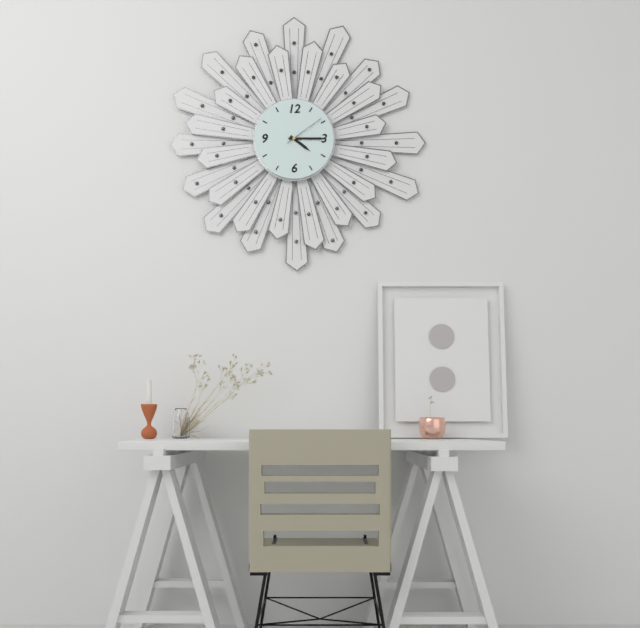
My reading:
4h15
